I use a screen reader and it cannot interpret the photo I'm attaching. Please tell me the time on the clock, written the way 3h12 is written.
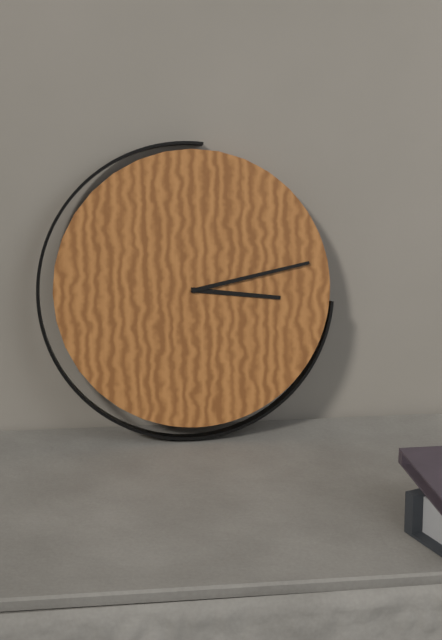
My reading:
3h13
